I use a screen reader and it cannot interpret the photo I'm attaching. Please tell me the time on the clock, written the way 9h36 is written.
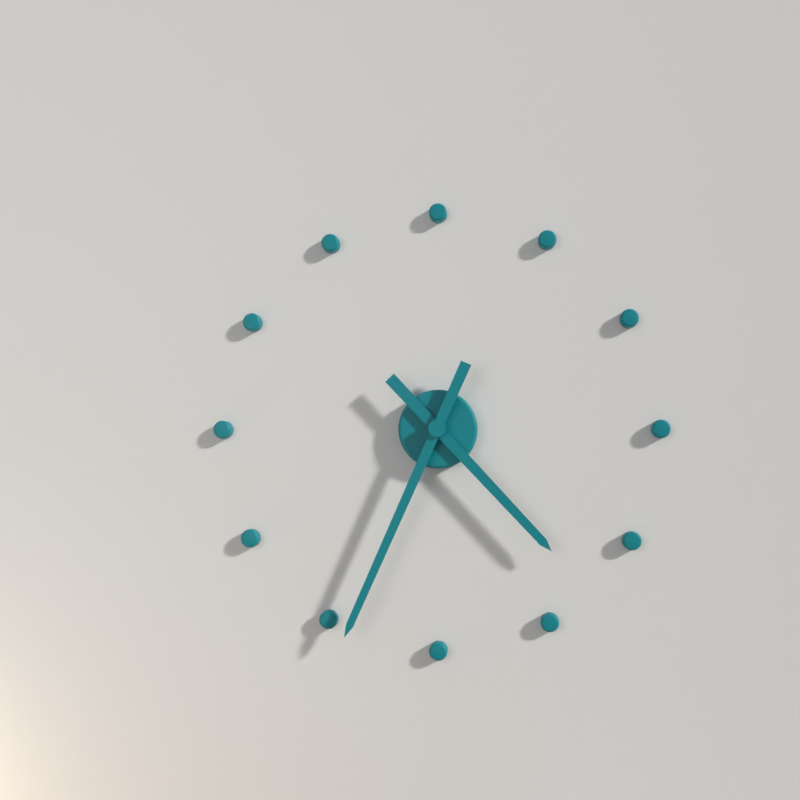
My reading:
4h34
